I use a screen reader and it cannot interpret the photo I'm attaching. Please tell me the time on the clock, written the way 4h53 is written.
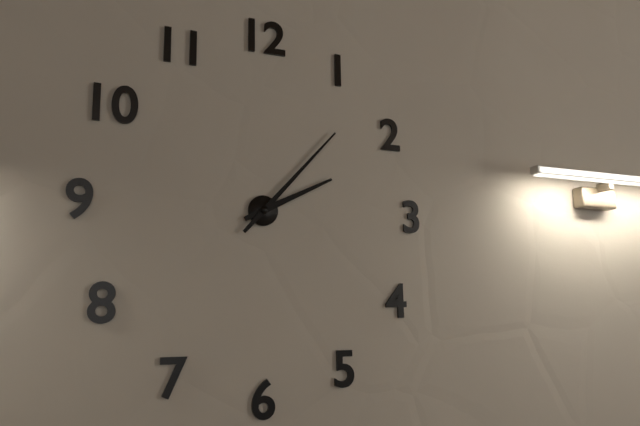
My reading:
2h07
